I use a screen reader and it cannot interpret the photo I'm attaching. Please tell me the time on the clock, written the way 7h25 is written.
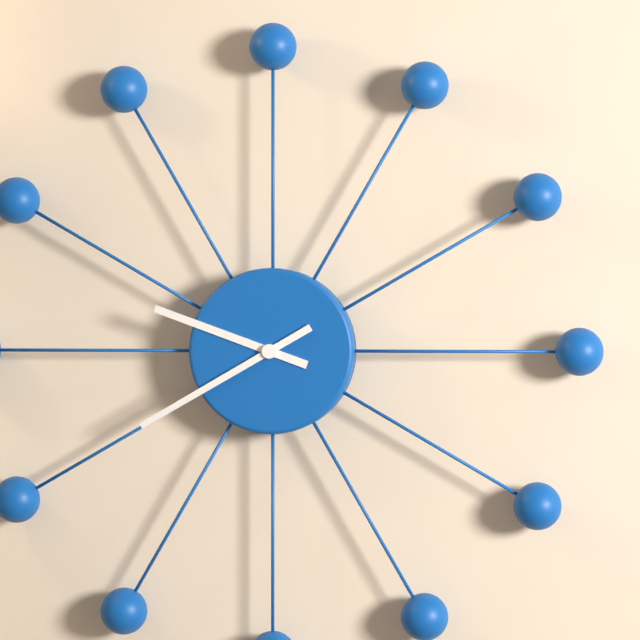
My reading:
9h40
